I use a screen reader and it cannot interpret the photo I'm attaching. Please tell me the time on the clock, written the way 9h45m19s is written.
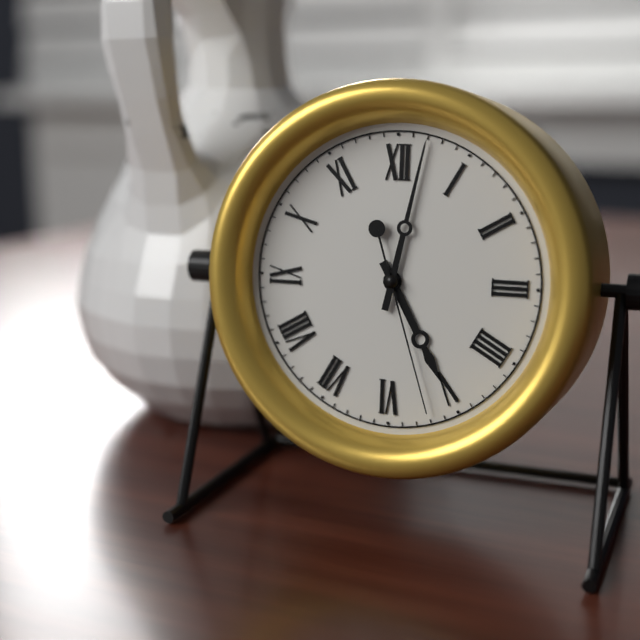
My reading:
5h02m27s
